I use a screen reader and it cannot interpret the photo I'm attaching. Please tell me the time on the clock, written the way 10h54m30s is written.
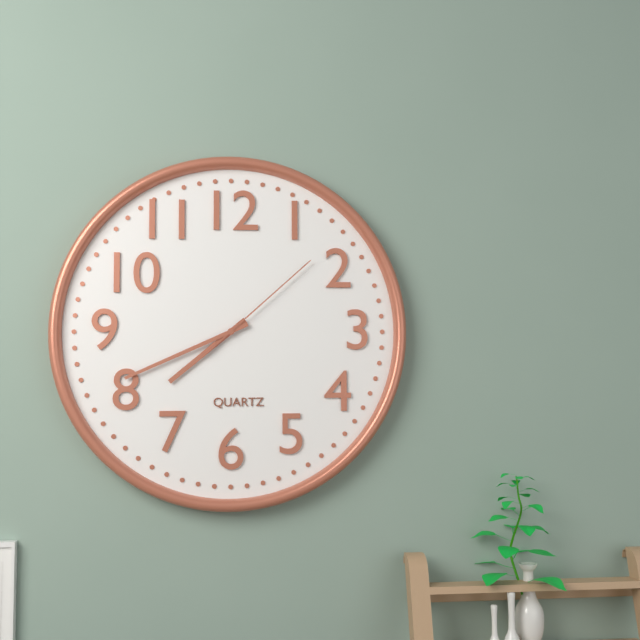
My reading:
7h41m08s
